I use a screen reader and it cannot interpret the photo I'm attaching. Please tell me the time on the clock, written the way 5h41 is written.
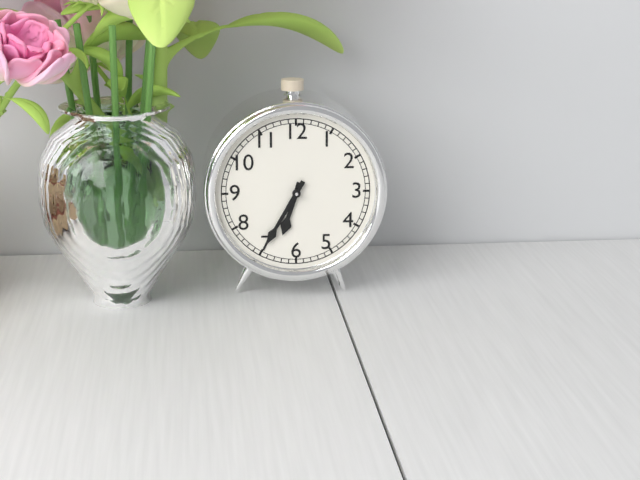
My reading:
6h35
